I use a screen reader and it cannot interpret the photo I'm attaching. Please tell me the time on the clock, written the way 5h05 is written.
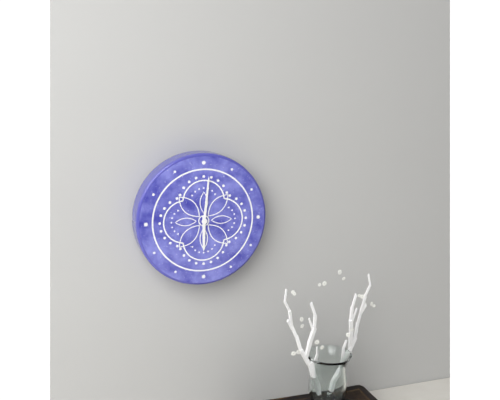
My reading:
6h01
